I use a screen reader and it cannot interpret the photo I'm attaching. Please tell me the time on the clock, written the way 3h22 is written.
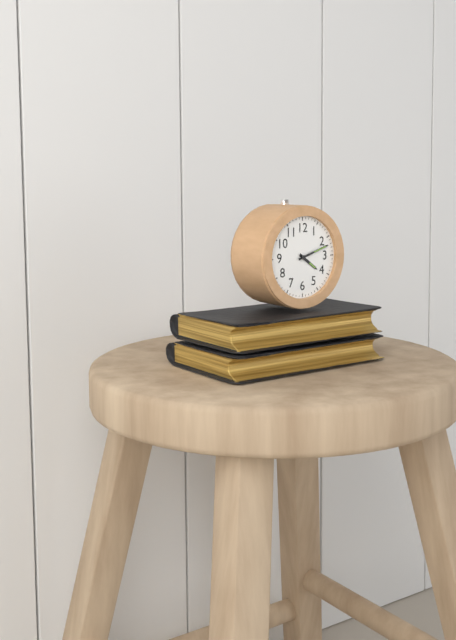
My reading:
4h12
